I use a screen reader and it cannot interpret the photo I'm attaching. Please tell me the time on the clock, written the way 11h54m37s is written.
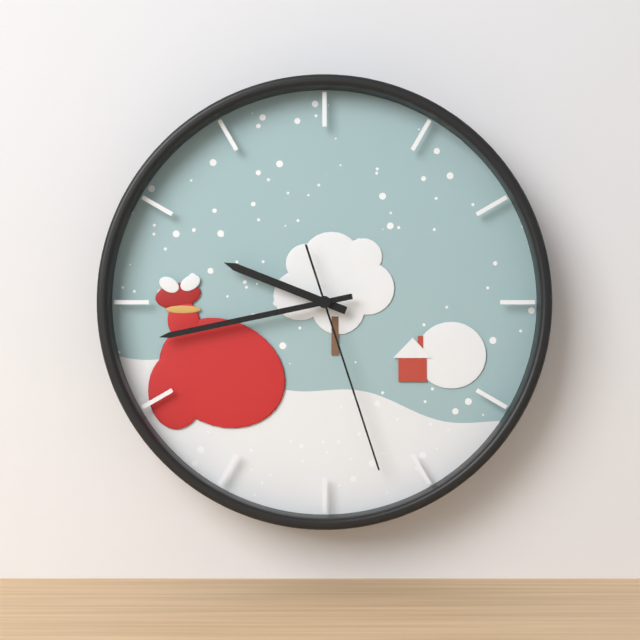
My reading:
9h43m27s
